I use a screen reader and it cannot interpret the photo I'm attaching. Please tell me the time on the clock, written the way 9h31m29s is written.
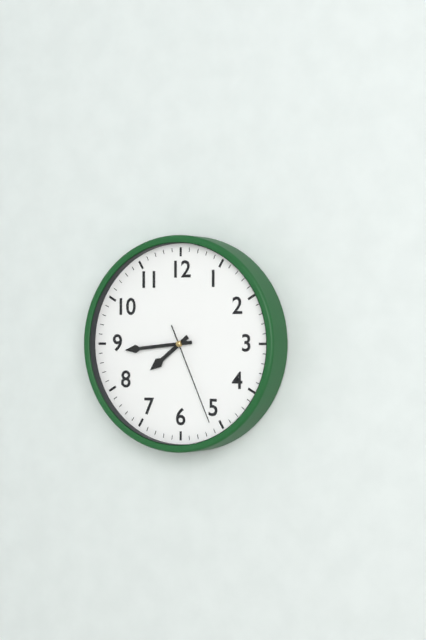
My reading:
7h44m26s
